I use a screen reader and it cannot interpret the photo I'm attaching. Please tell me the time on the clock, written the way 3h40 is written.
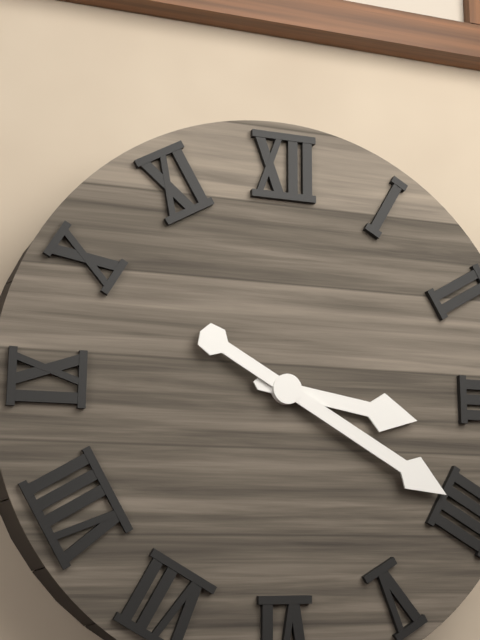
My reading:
3h20
